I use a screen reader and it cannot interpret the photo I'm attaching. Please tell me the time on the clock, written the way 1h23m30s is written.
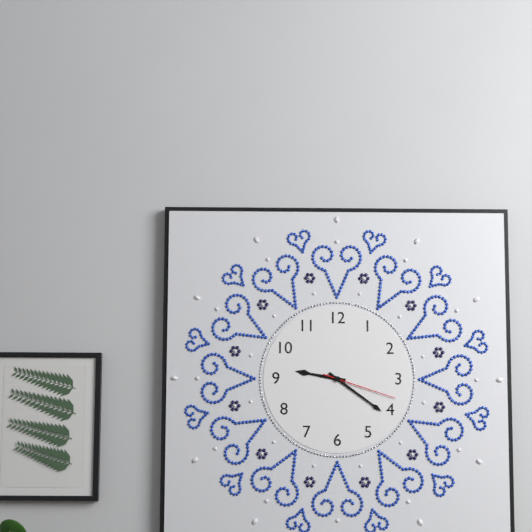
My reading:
9h21m18s
